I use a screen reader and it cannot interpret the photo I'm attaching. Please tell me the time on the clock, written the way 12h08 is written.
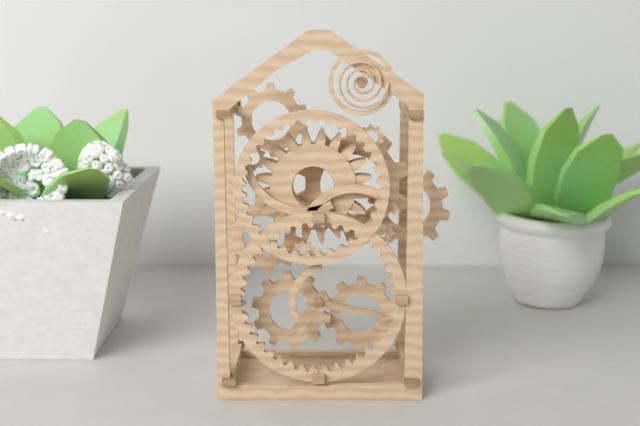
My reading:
7h17
